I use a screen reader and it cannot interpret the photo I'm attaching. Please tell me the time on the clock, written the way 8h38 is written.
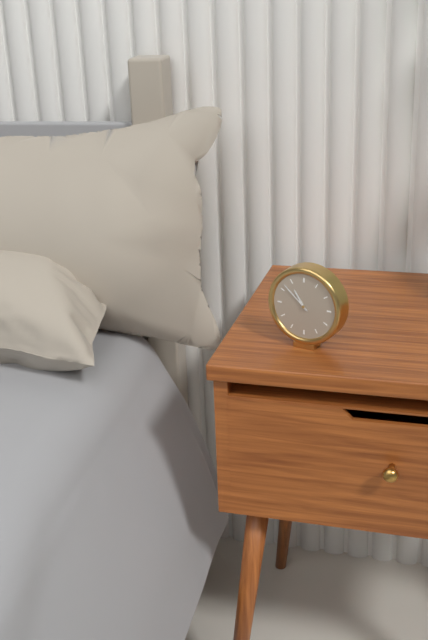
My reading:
10h52
